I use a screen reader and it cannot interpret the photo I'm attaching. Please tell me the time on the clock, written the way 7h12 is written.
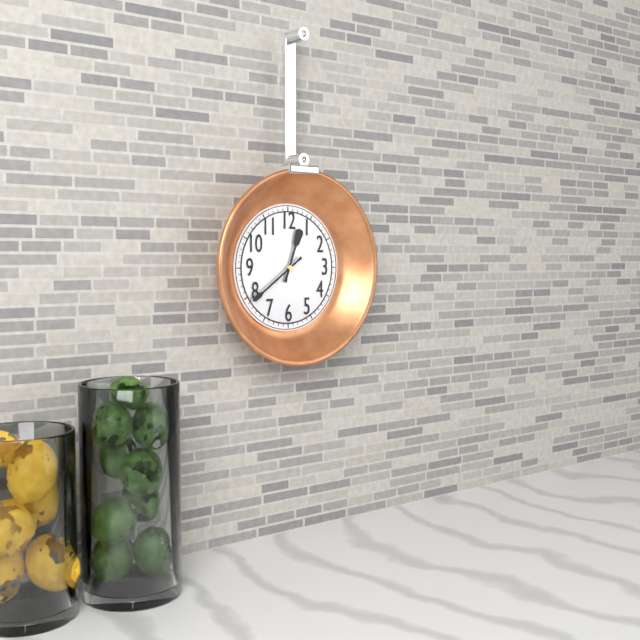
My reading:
12h39
